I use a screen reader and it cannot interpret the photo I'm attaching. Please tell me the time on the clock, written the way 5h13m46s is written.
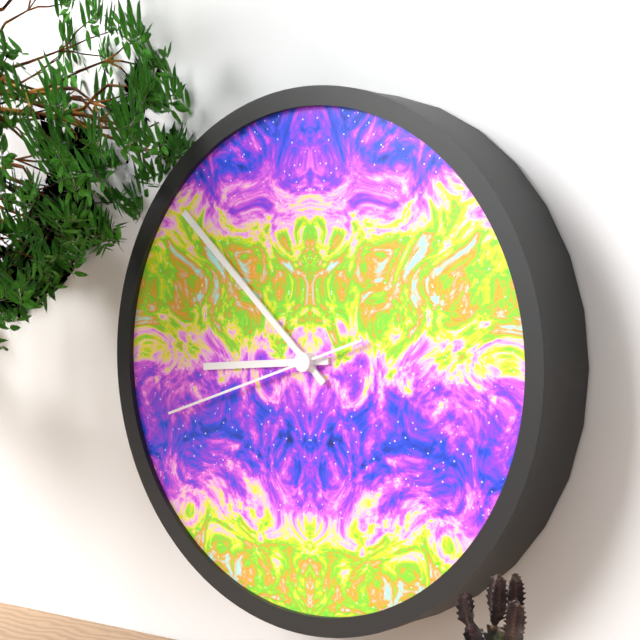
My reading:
8h52m42s
